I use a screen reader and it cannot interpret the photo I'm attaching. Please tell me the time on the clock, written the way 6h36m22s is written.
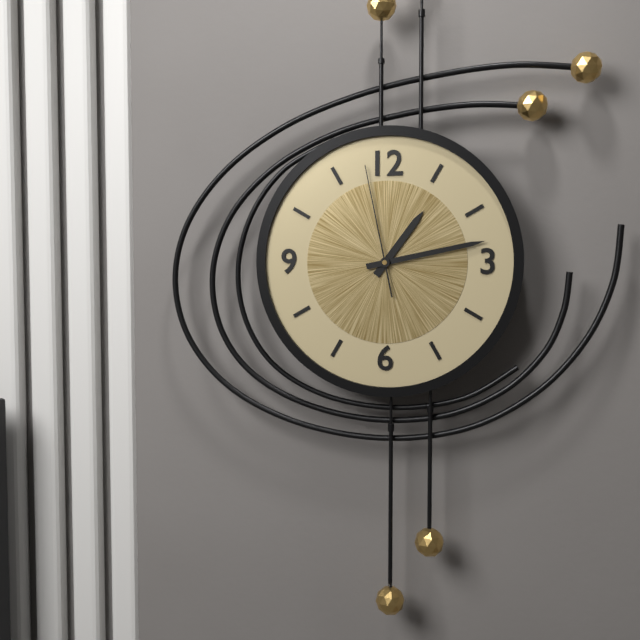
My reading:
1h13m58s
